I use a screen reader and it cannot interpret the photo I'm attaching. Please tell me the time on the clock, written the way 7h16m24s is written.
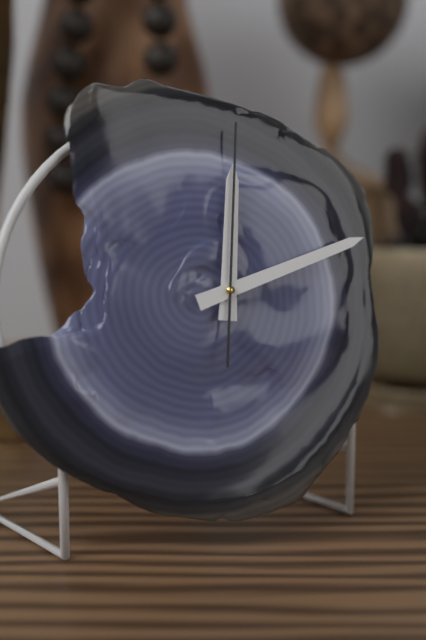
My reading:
12h12m01s
